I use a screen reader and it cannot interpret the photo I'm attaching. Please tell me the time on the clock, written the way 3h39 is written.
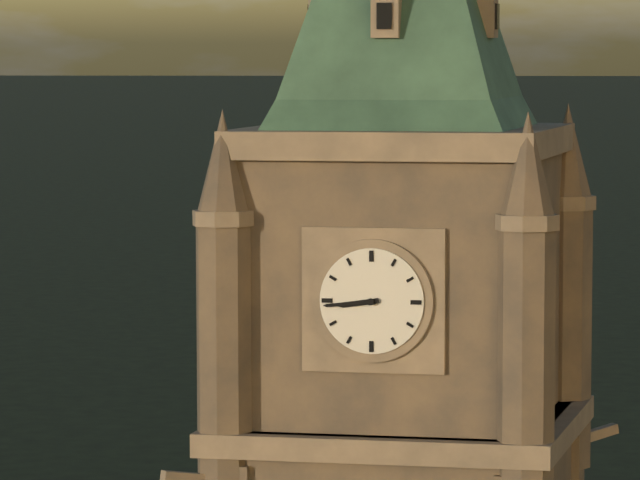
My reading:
8h44
